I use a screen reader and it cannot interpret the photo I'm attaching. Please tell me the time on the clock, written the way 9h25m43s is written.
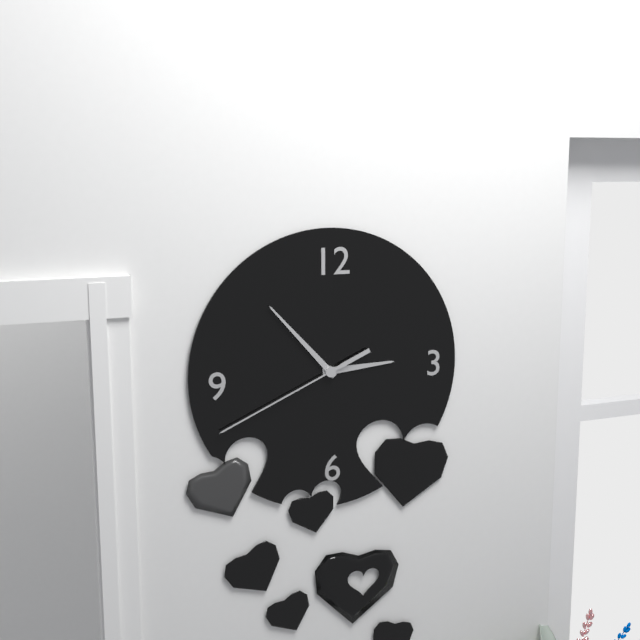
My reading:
2h53m41s
